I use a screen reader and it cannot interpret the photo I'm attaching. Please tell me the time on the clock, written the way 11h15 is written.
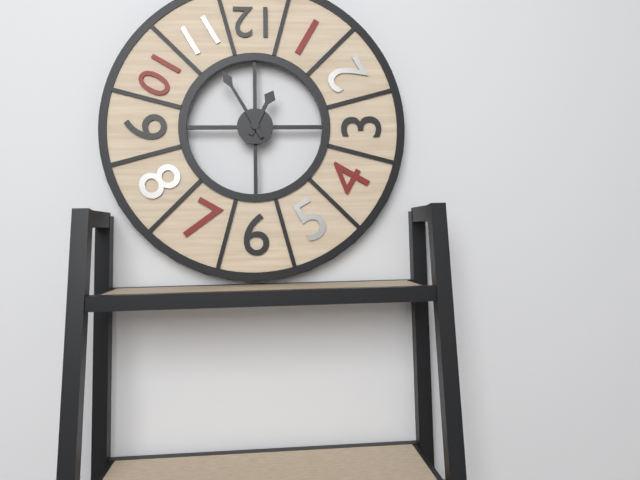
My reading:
12h55
